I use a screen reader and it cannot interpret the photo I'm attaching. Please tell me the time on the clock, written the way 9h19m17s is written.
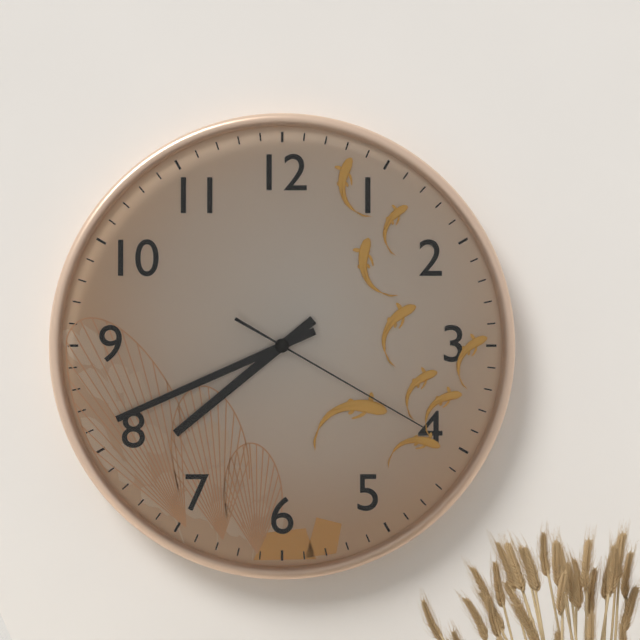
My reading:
7h41m20s
